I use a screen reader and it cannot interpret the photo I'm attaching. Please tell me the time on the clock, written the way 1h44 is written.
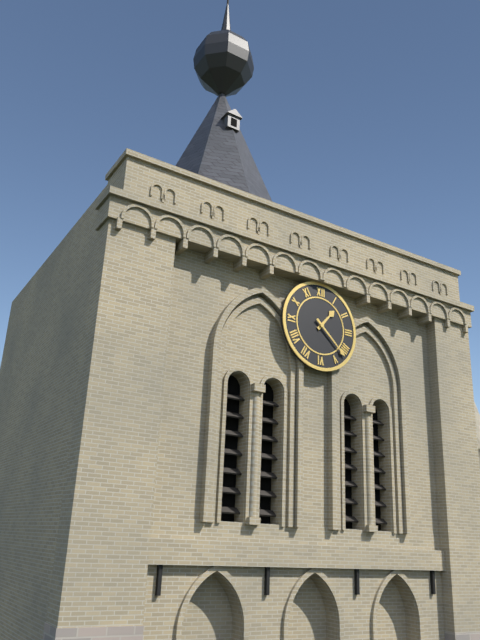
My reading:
1h22
